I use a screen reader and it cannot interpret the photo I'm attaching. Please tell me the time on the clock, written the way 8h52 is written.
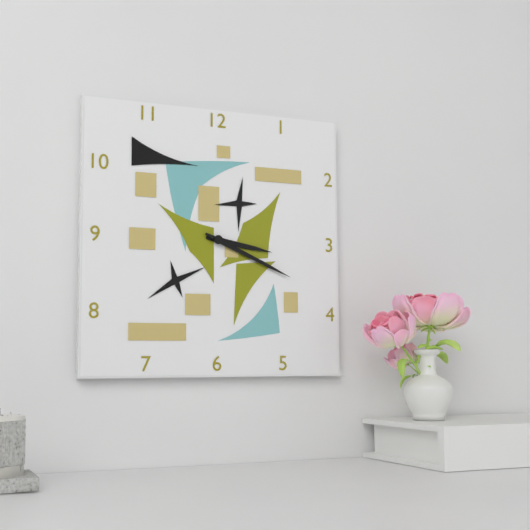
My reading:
3h19
